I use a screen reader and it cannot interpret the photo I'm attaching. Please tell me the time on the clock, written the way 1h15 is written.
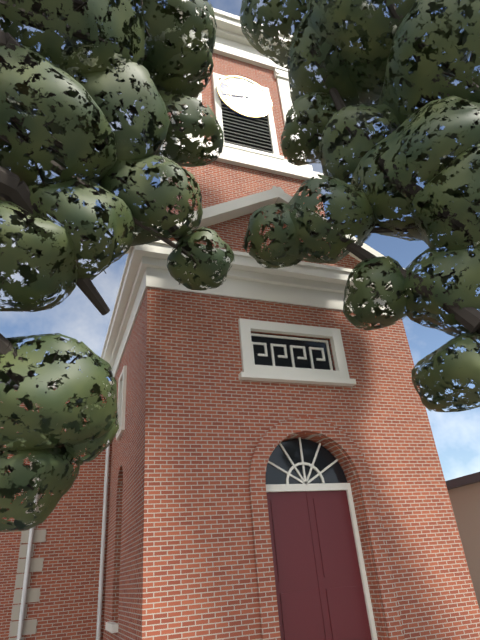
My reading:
6h43
